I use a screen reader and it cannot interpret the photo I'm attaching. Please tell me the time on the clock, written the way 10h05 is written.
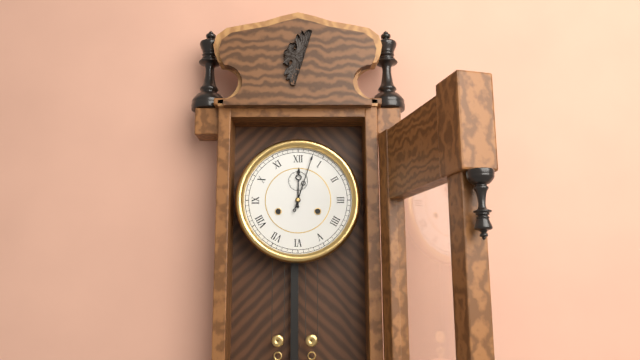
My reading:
12h03
